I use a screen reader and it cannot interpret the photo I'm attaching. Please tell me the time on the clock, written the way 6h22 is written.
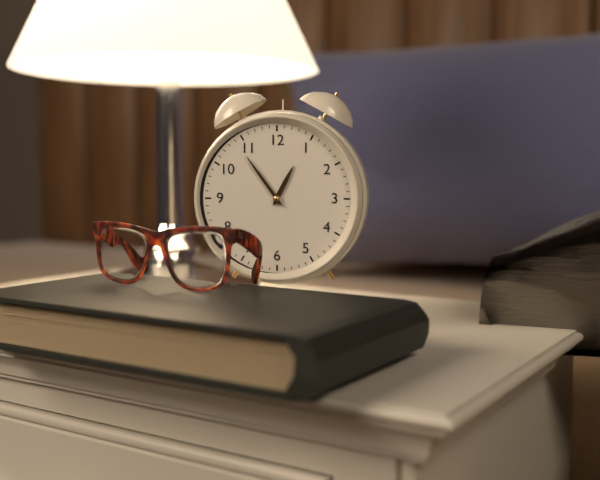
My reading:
12h54
